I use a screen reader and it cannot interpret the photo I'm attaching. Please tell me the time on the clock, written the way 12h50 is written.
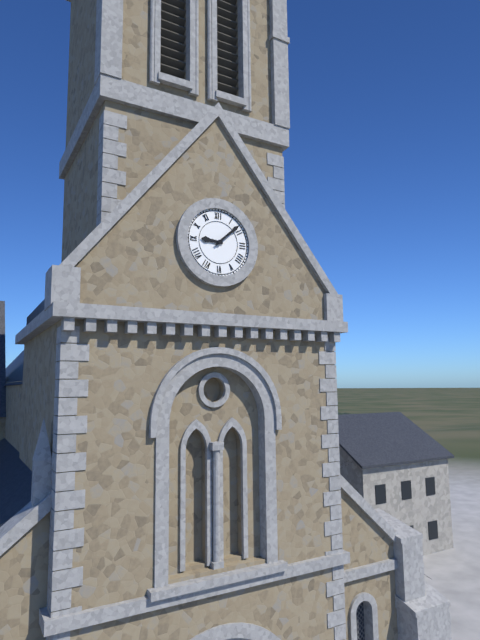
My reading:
9h08
